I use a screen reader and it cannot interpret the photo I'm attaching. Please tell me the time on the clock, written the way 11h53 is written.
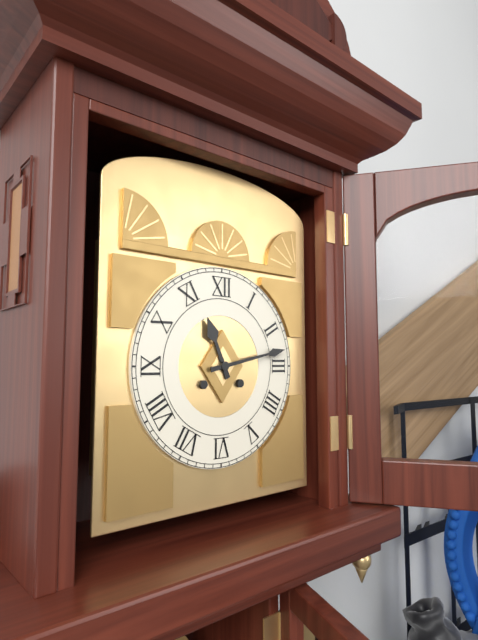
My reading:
11h13
